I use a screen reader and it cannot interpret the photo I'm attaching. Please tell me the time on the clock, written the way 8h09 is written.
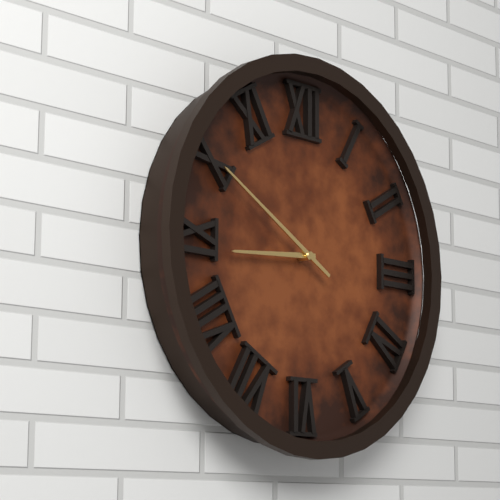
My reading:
8h50
